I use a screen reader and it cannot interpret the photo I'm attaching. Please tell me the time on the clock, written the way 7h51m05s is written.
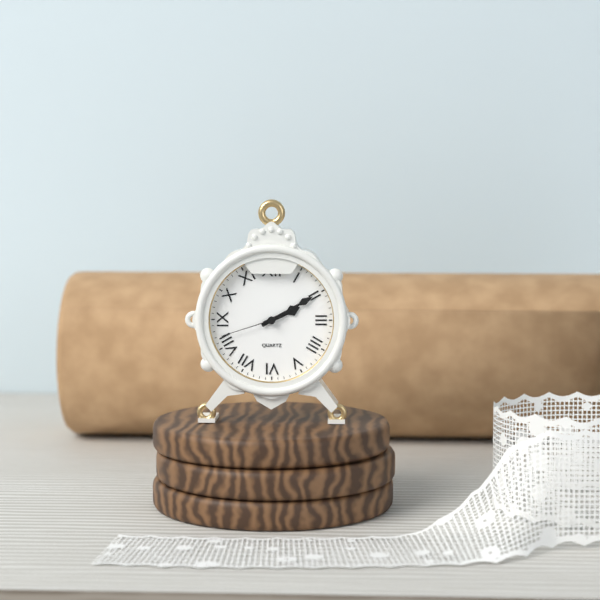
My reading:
2h10m42s
